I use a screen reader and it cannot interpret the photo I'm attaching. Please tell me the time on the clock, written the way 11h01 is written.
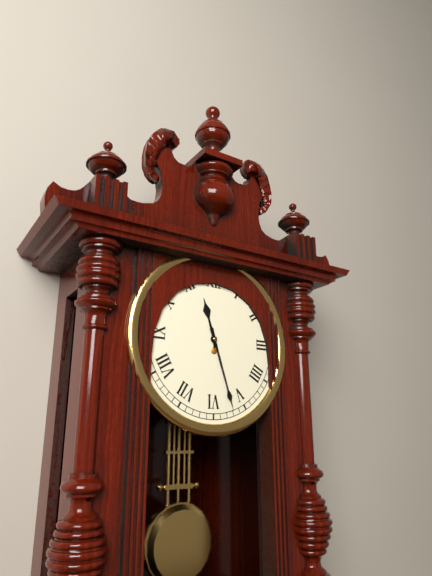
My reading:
11h27
